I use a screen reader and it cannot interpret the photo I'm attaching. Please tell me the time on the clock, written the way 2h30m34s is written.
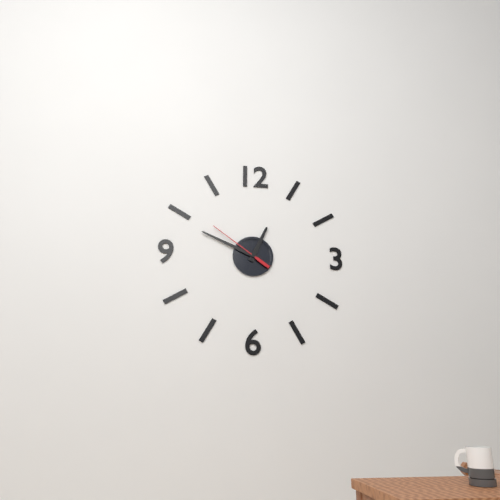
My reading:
12h49m51s
